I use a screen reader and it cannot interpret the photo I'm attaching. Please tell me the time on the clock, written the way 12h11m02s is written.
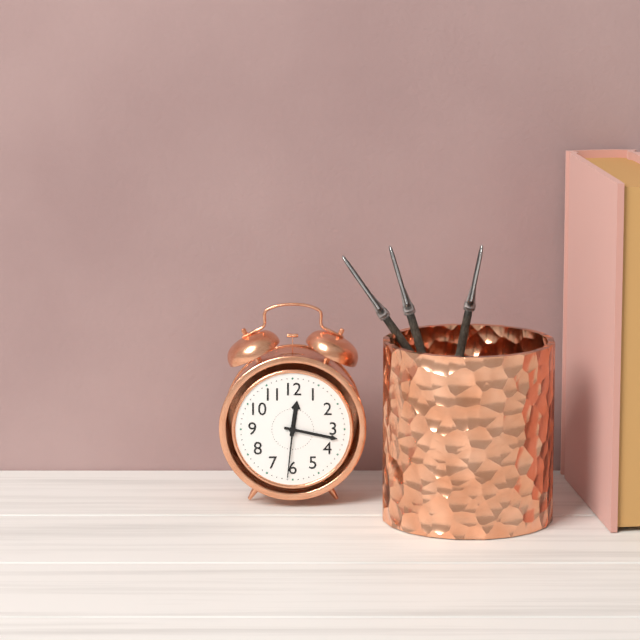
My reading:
12h17m31s
